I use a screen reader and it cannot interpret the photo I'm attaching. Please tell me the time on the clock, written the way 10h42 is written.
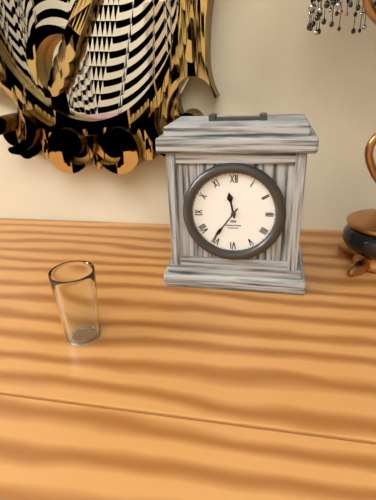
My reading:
11h36
